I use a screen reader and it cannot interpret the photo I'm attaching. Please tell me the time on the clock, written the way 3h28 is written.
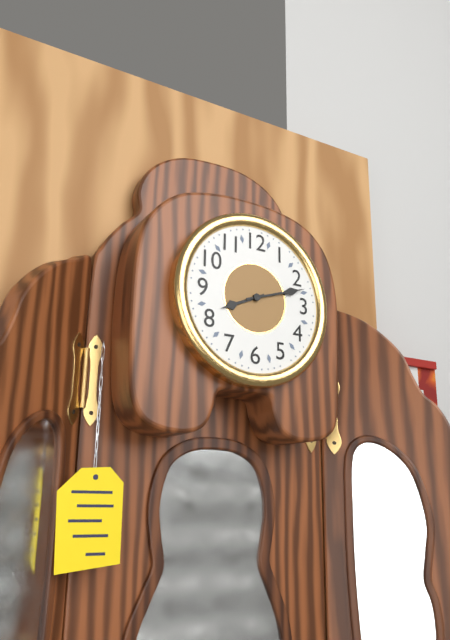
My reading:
8h12
